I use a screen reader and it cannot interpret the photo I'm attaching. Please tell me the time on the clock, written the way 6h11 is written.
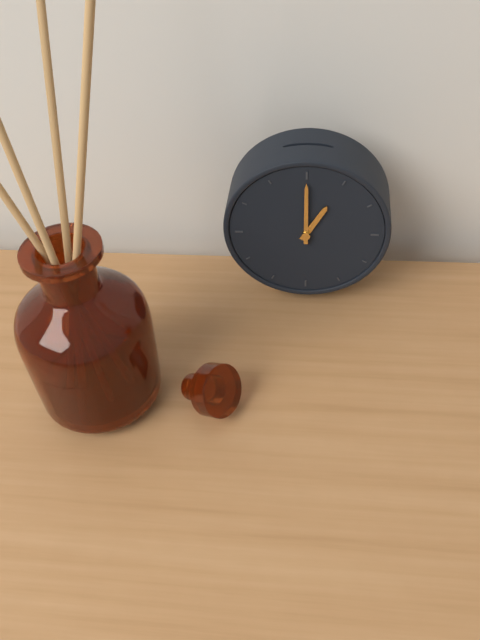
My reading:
1h00
